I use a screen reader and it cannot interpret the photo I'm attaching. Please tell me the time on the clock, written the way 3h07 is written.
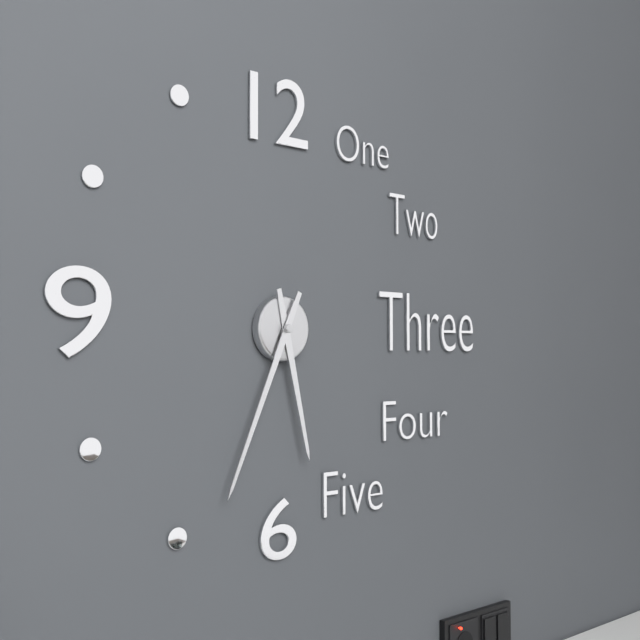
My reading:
5h34
